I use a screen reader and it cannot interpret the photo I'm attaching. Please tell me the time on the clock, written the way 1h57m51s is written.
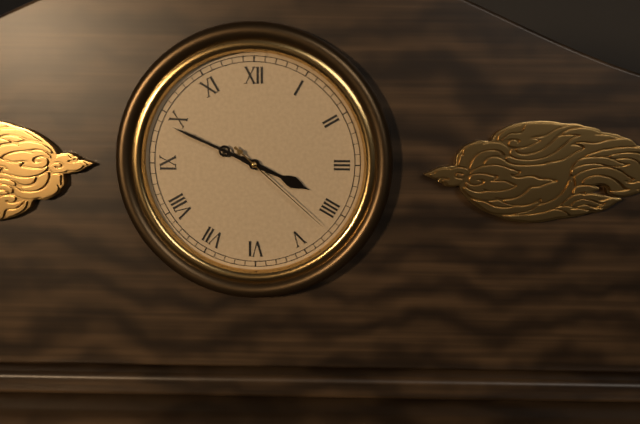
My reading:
3h49m22s
